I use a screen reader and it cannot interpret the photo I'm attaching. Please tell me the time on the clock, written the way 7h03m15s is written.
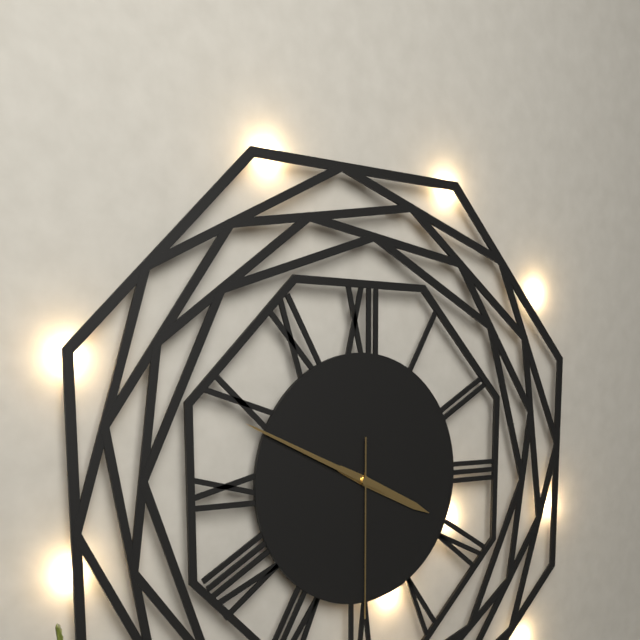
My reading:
3h49m30s
